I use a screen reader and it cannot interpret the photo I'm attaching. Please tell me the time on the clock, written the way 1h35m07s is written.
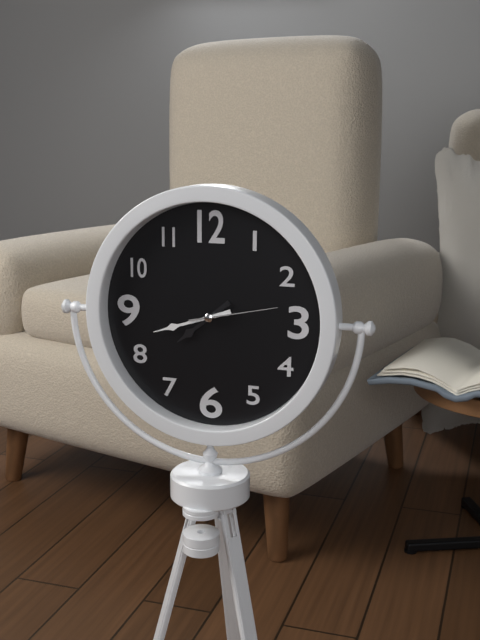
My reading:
7h42m13s
